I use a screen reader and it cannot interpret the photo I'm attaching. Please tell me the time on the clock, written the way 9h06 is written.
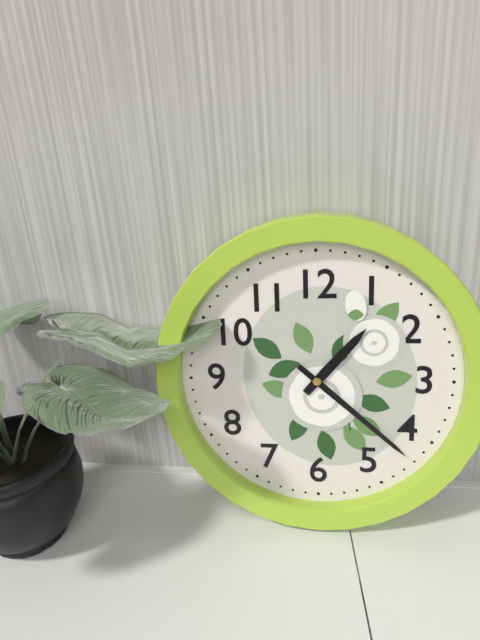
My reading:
1h22
